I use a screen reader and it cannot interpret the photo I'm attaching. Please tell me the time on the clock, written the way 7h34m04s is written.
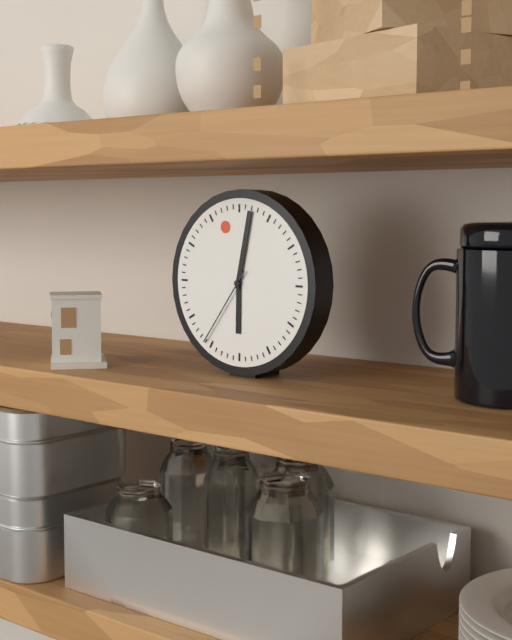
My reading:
6h02m36s
